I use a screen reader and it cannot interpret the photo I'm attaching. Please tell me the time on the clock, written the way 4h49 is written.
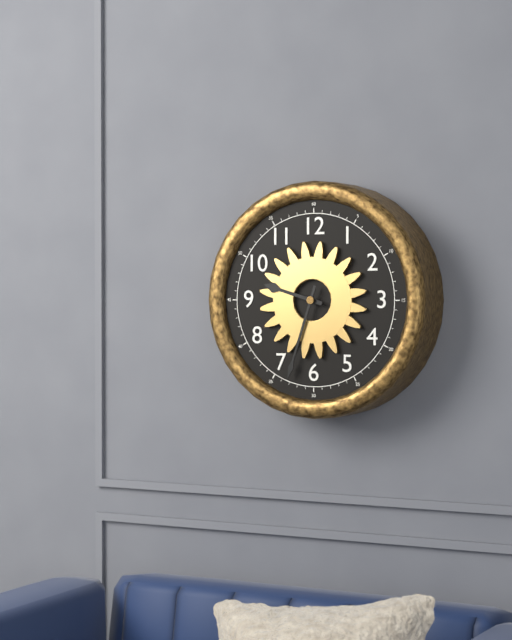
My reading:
9h33
